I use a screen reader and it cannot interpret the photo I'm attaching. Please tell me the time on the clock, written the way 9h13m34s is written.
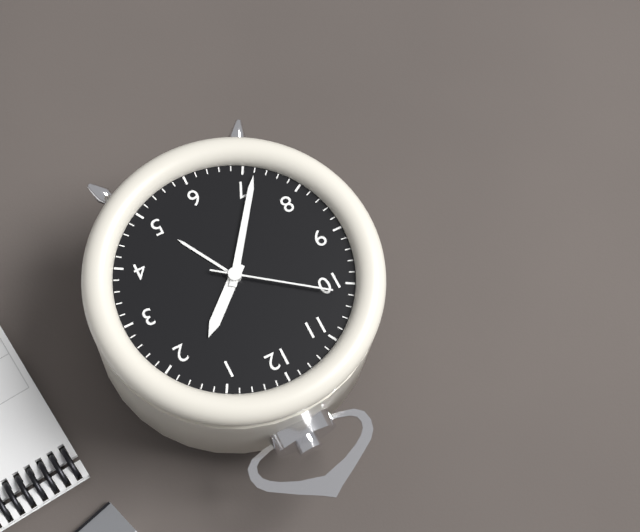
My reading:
1h36m51s
